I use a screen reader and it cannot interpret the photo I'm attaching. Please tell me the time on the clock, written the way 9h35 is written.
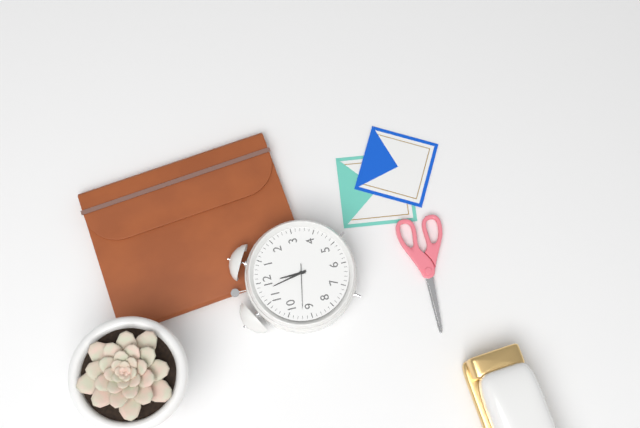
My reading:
11h58
